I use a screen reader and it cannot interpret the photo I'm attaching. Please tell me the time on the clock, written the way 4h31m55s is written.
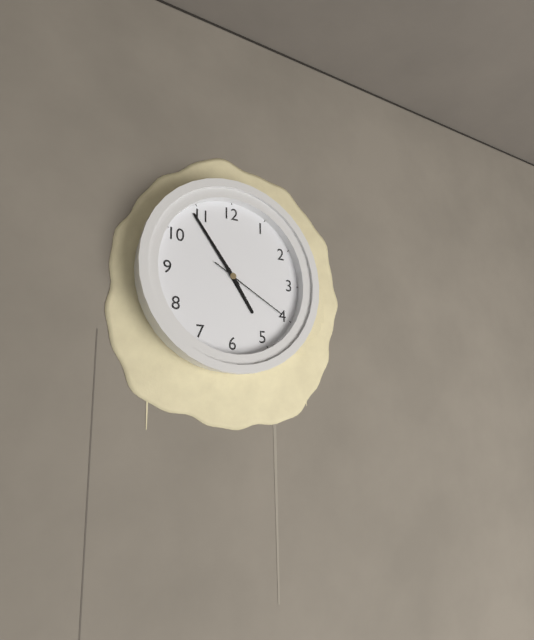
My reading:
4h54m20s
